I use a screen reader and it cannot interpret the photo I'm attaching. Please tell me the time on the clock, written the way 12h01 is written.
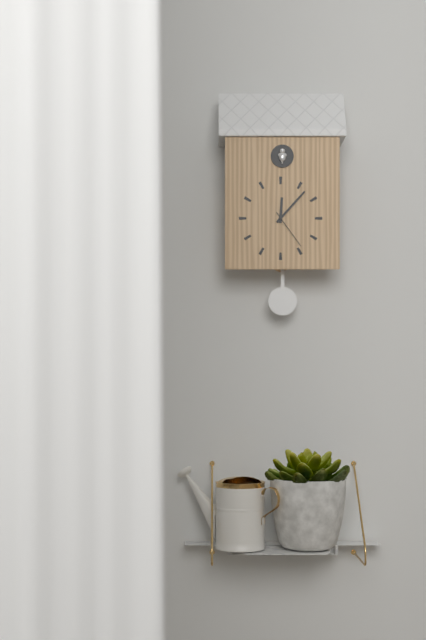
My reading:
12h07
